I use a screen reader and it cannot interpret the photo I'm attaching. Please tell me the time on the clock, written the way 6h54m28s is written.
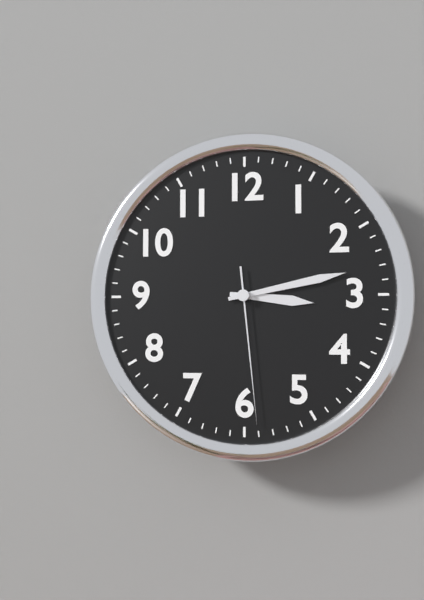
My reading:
3h13m29s
